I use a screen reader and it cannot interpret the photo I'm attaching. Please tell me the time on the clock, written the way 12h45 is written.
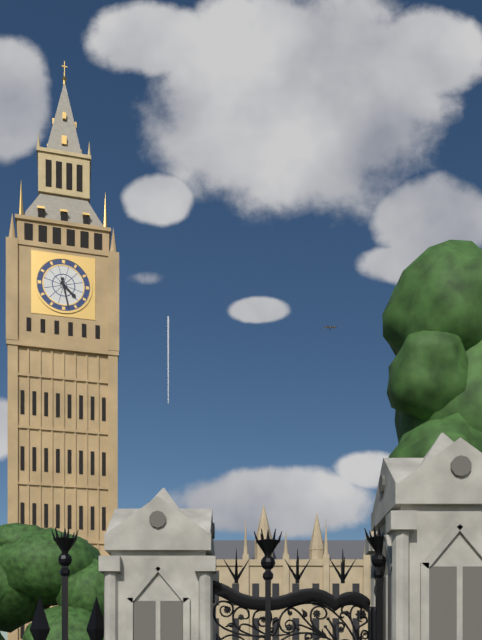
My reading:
4h28
